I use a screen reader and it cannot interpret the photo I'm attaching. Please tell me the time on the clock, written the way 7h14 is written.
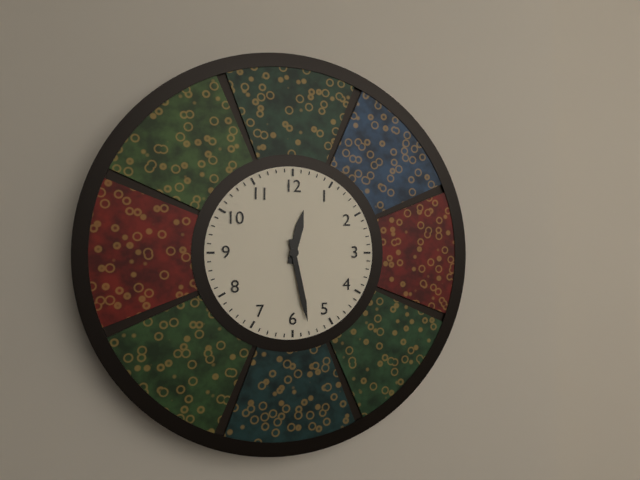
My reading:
12h28
